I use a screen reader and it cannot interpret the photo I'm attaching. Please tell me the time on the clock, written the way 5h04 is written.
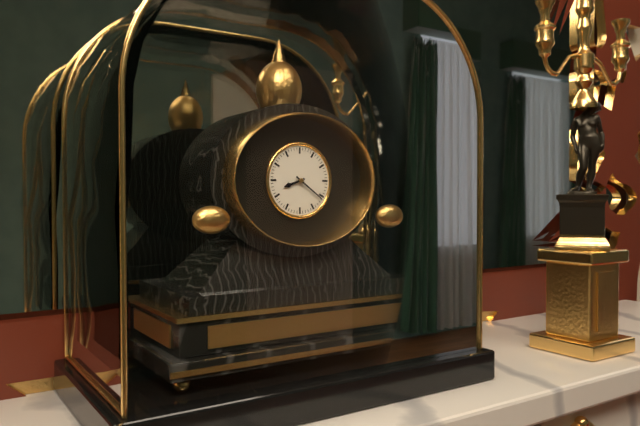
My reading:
8h21
